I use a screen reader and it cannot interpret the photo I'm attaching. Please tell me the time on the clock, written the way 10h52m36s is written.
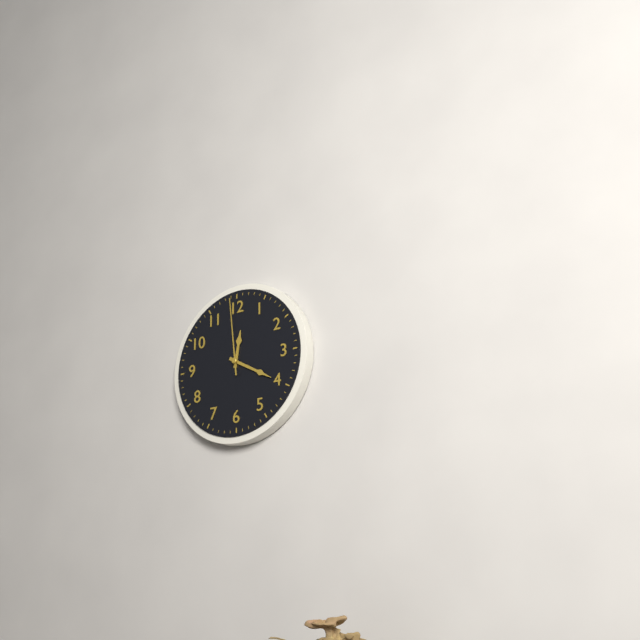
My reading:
12h20m59s
